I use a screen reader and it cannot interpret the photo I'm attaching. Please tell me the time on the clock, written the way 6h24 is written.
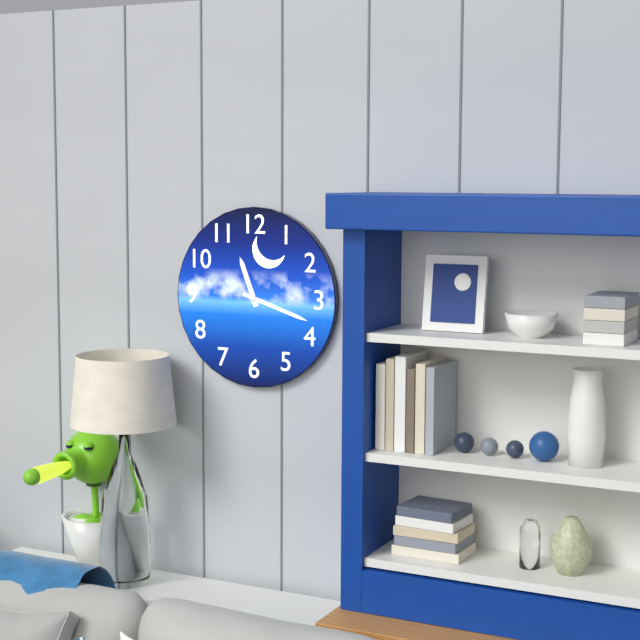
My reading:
11h18
